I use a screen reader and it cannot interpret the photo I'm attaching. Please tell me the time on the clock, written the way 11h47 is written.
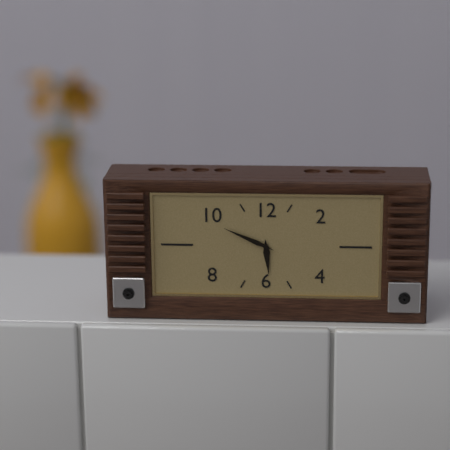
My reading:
5h49
